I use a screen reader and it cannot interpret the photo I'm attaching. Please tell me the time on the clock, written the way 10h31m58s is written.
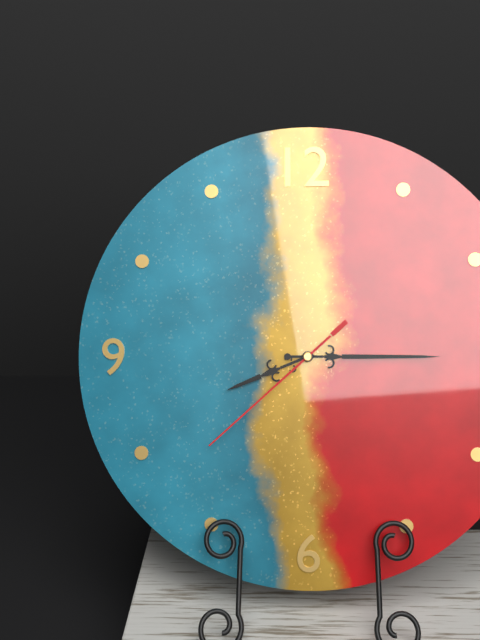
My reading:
8h15m38s
